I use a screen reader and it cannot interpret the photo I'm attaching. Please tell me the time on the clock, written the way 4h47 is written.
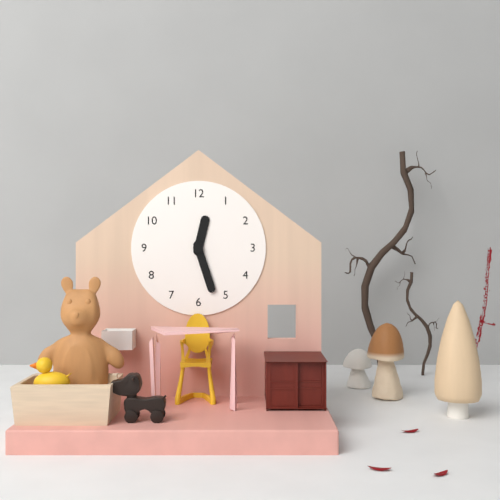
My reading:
12h27
